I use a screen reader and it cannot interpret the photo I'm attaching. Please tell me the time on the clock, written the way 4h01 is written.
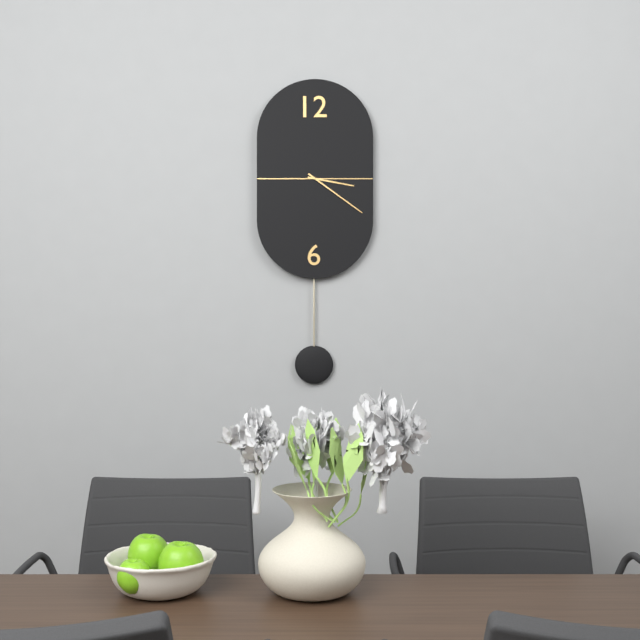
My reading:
3h21
